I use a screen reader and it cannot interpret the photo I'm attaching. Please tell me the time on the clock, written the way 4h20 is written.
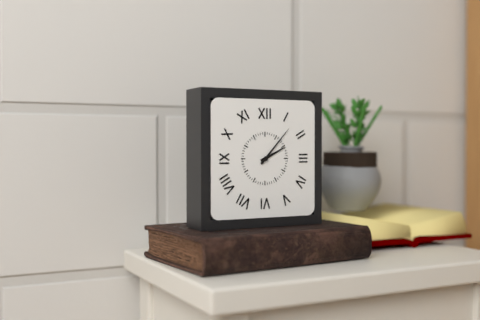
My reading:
2h07
